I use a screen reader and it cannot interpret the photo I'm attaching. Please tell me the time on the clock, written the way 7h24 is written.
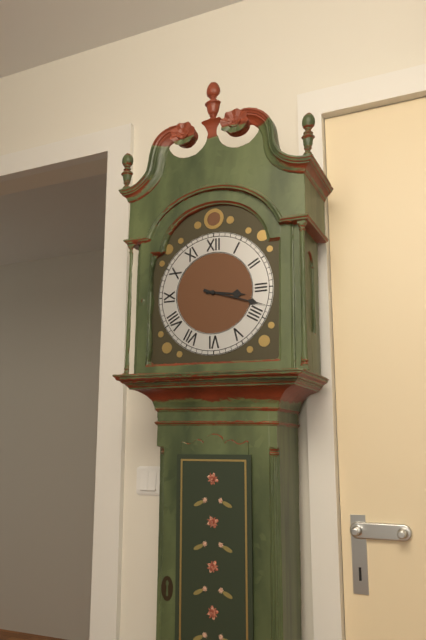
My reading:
3h18
